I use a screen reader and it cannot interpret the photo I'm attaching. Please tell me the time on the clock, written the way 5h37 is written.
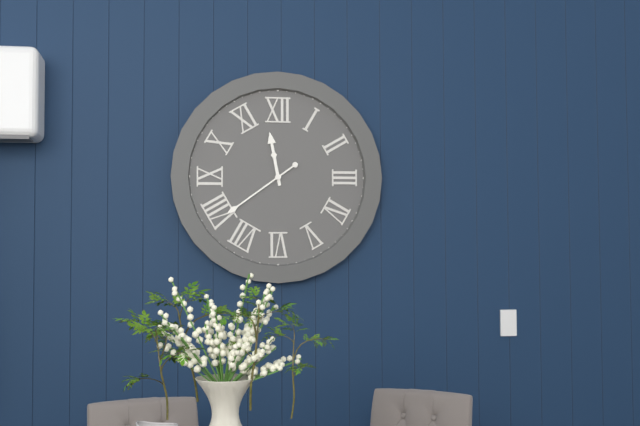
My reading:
11h39
